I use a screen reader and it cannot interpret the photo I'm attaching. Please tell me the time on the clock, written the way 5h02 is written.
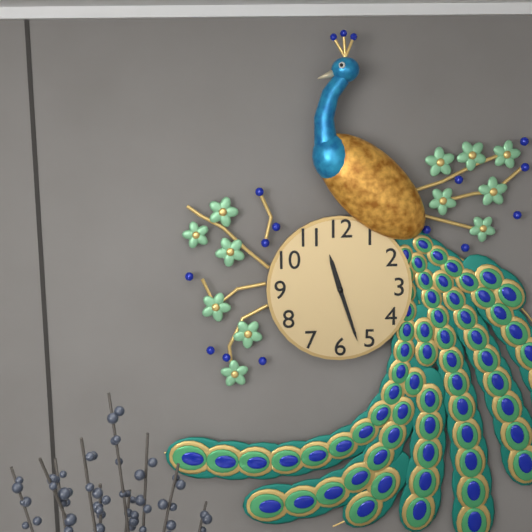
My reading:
11h27
